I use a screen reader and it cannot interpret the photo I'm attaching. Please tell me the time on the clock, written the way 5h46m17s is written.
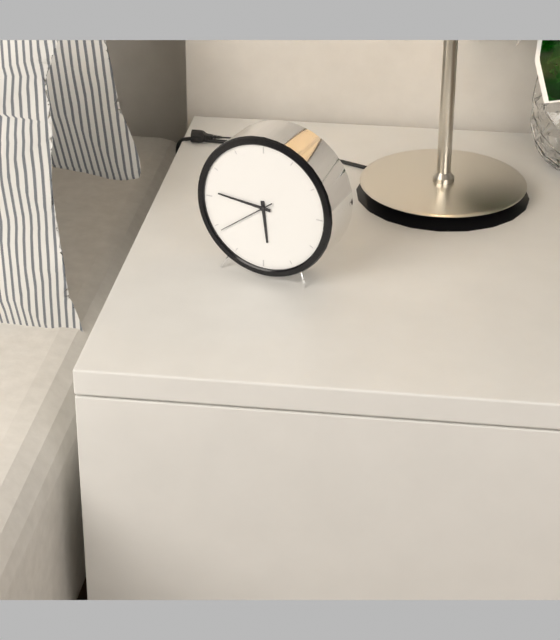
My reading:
5h46m39s
